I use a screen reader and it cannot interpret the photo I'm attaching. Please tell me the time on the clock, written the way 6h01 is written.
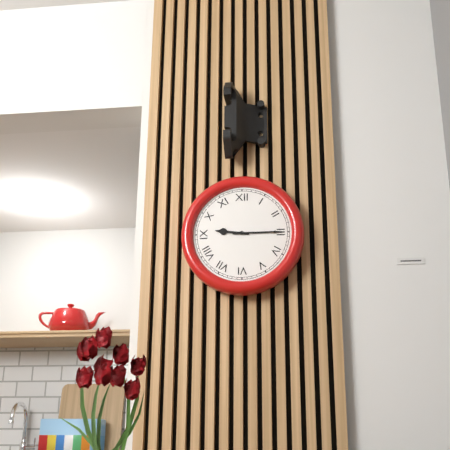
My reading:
9h15
